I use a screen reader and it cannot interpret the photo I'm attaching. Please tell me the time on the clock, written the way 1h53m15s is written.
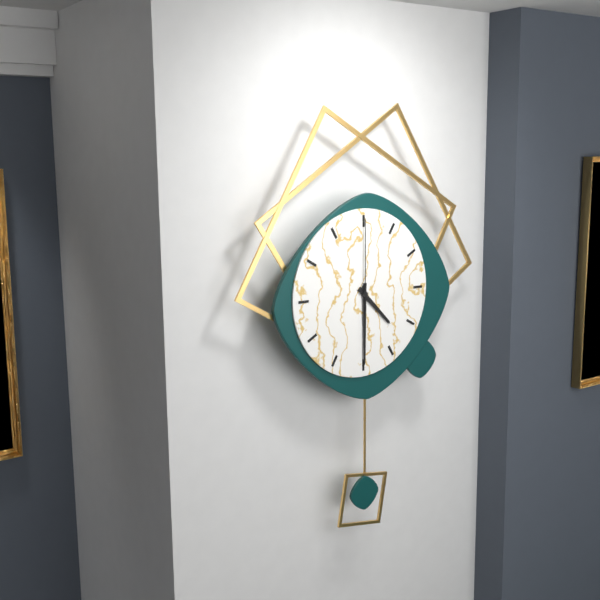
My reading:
4h30m00s
